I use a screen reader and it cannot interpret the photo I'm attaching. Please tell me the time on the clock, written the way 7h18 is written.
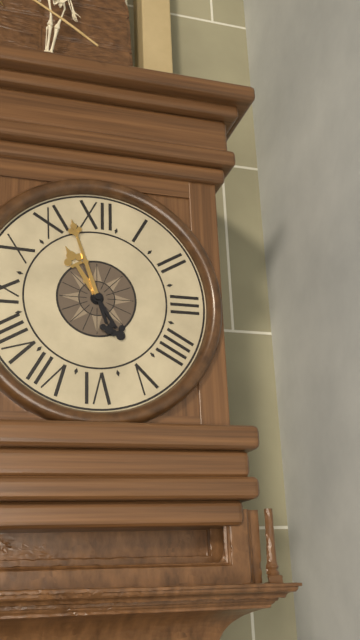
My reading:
10h57
